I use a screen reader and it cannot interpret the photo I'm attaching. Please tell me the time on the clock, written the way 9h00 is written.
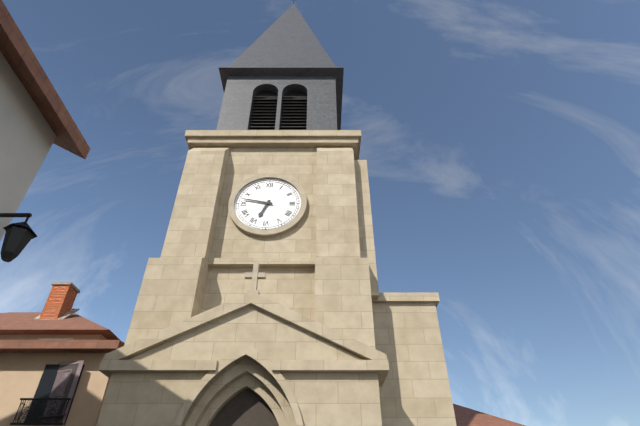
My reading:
6h47
